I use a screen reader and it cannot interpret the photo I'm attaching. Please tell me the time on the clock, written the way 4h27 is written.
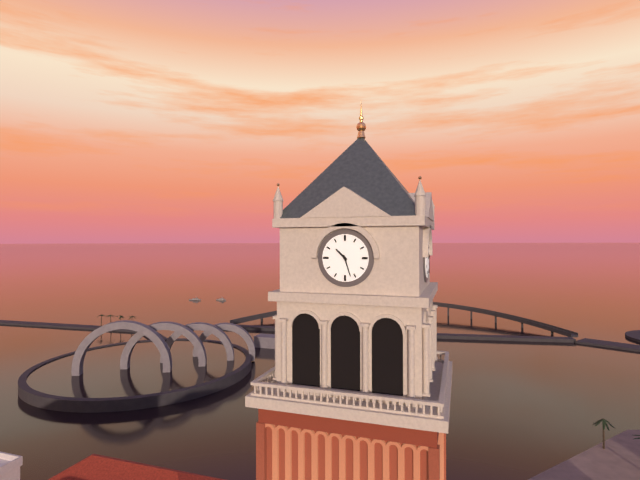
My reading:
10h27
